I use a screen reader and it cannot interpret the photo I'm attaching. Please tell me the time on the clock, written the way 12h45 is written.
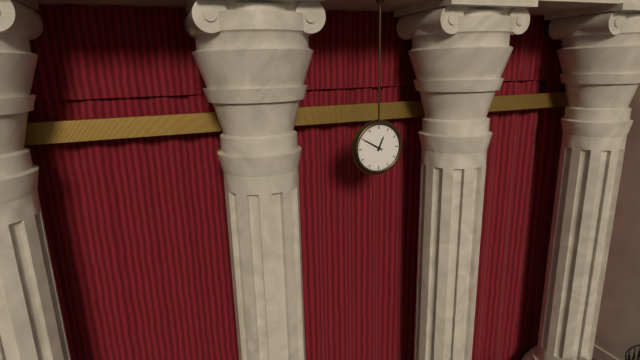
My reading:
12h50
